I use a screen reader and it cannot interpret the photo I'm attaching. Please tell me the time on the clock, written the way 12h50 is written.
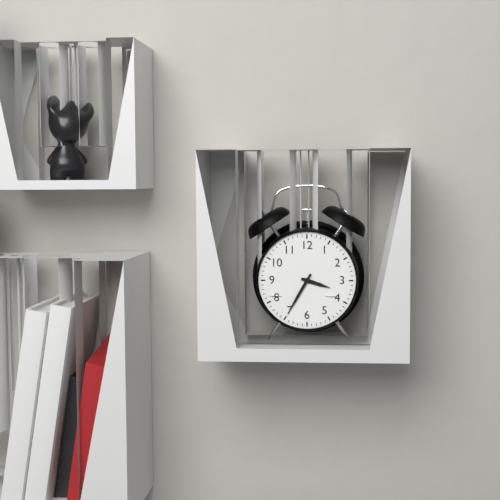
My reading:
3h35
